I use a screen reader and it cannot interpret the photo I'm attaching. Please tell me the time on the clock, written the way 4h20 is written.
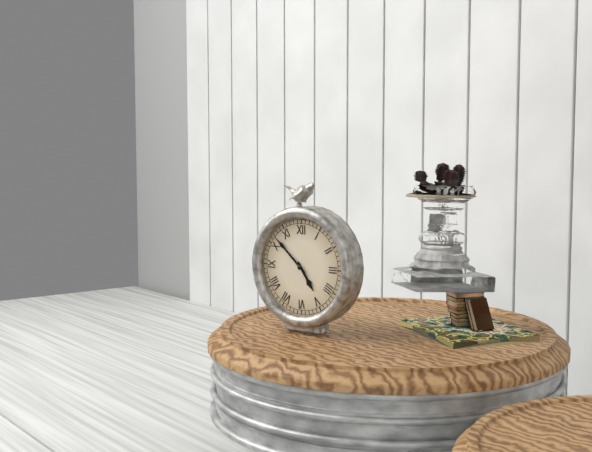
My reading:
4h52
